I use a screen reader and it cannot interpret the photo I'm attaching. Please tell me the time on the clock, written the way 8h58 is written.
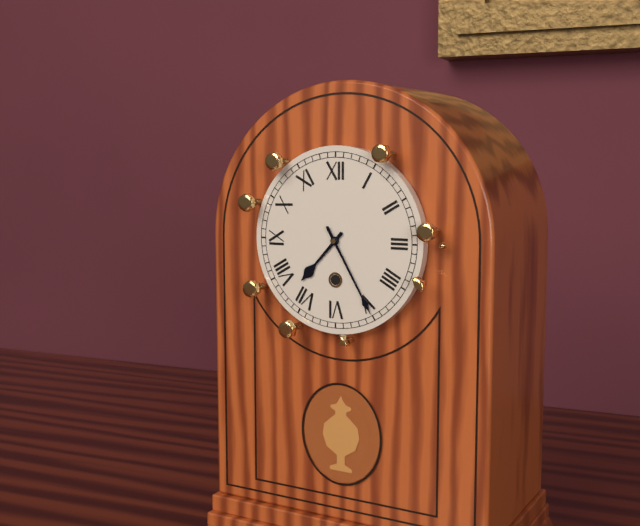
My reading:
7h25
